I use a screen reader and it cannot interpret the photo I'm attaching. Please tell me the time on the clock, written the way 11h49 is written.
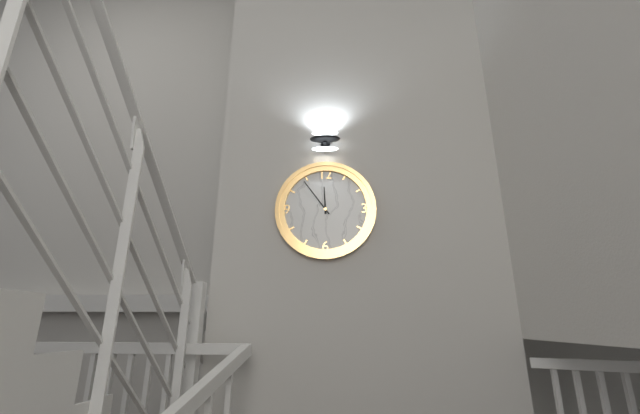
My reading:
11h54
